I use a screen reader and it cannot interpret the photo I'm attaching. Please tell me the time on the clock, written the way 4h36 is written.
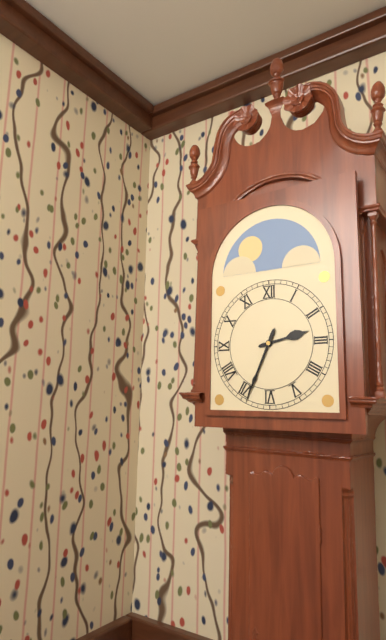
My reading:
2h34
